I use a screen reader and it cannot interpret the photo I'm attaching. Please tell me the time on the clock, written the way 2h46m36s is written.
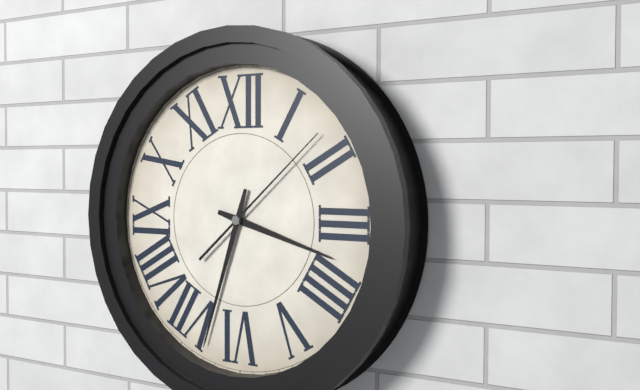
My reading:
3h33m08s
